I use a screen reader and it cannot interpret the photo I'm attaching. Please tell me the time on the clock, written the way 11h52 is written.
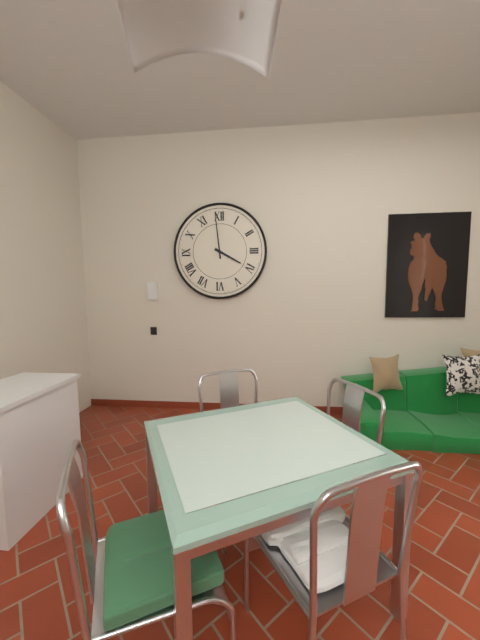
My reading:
3h59
